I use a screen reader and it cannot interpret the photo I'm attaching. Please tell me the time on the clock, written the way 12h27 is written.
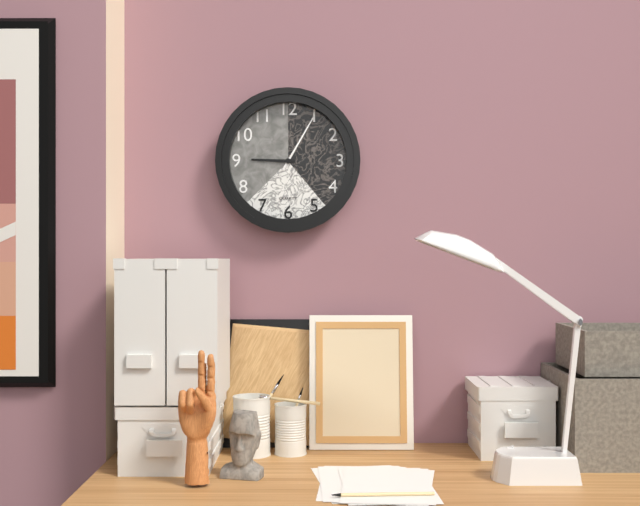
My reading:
9h05
